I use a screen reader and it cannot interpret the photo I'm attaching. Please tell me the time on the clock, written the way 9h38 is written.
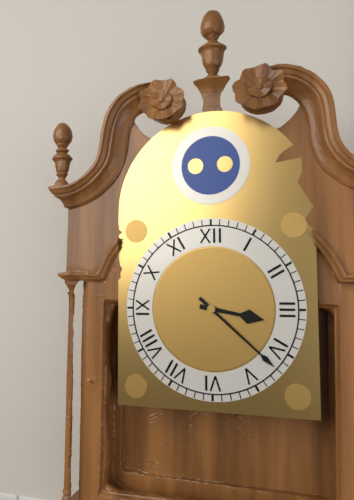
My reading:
3h22
